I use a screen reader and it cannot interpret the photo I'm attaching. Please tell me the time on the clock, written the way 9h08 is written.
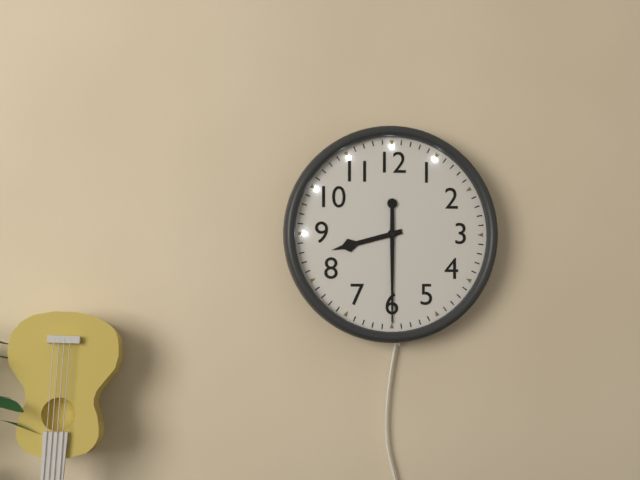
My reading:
8h30
